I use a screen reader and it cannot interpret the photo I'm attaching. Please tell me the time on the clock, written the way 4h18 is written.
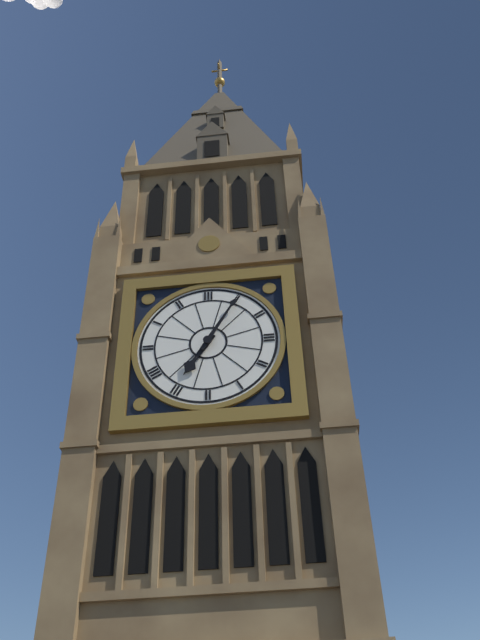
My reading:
7h05
